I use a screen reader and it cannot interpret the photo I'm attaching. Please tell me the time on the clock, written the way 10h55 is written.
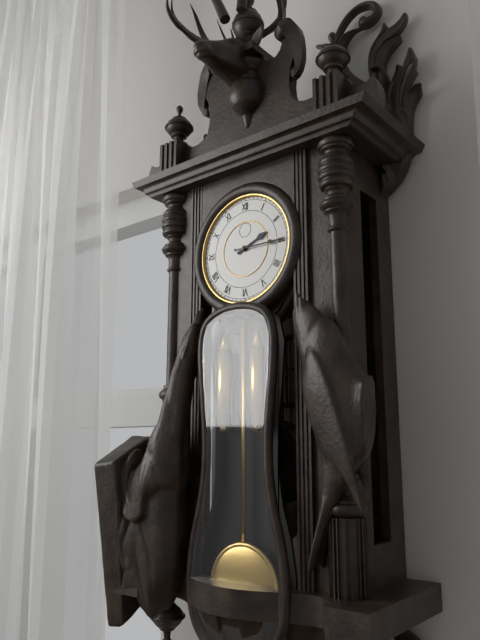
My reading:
2h15
